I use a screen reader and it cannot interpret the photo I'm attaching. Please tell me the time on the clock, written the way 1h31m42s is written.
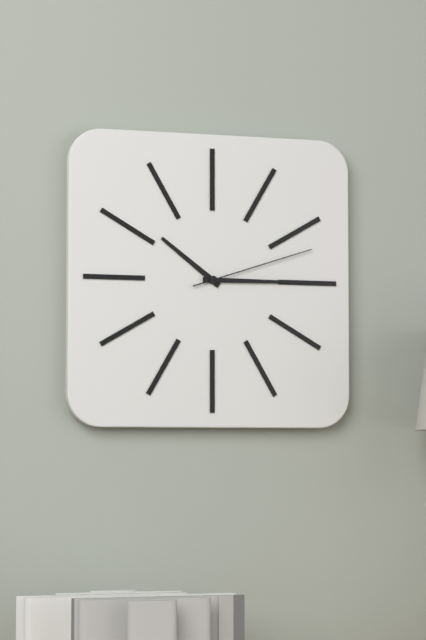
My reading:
10h15m12s
